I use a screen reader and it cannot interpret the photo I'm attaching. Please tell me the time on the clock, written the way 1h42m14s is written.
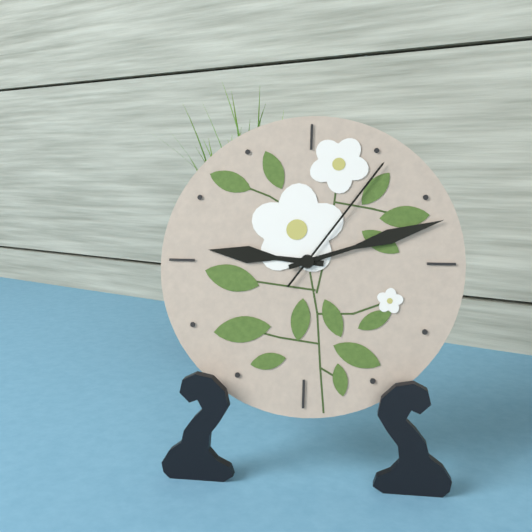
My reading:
9h12m06s
